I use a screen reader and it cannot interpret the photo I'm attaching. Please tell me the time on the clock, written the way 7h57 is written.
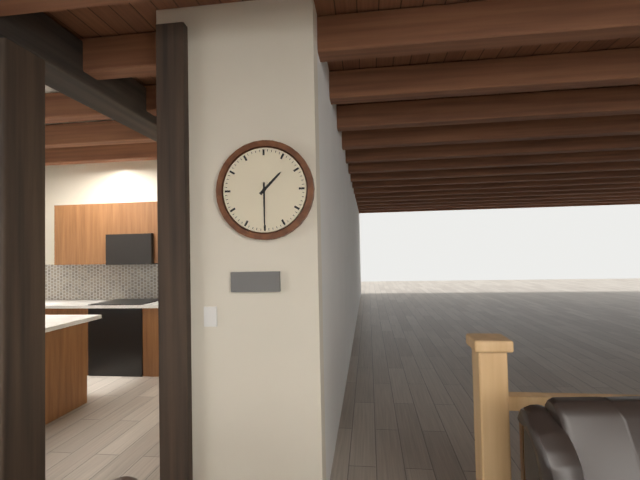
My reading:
1h30
